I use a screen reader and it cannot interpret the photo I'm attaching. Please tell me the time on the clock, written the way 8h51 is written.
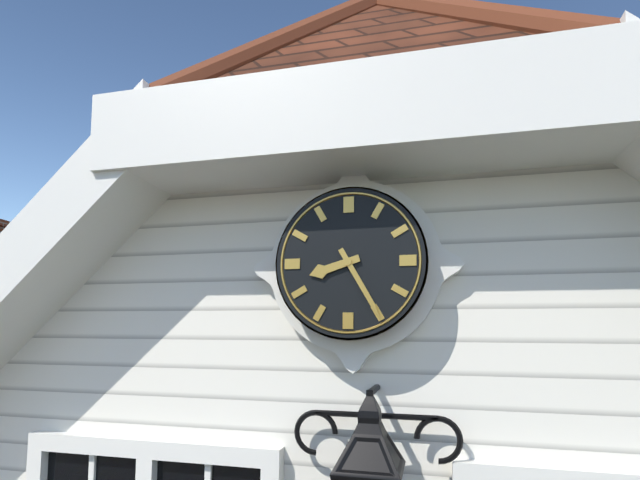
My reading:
8h25
